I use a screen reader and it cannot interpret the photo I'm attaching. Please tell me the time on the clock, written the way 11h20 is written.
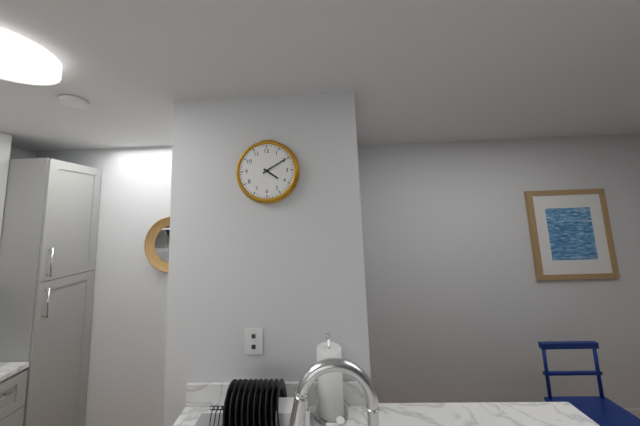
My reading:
4h10
